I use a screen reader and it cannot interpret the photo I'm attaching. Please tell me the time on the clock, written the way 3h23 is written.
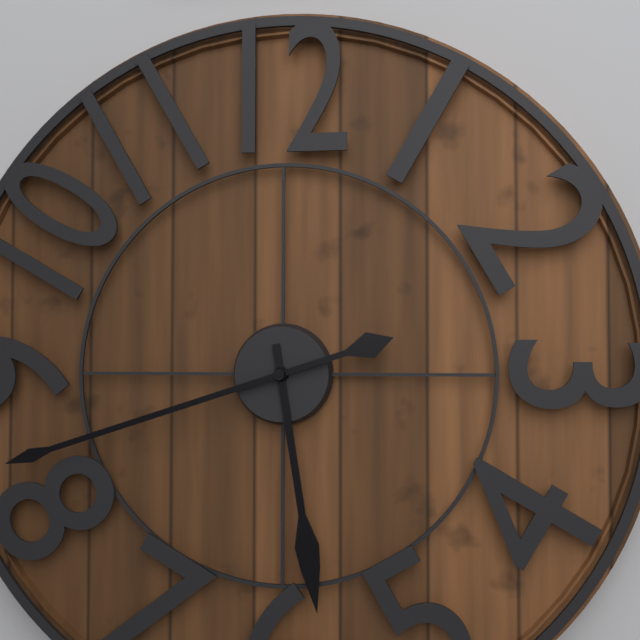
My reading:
5h42
